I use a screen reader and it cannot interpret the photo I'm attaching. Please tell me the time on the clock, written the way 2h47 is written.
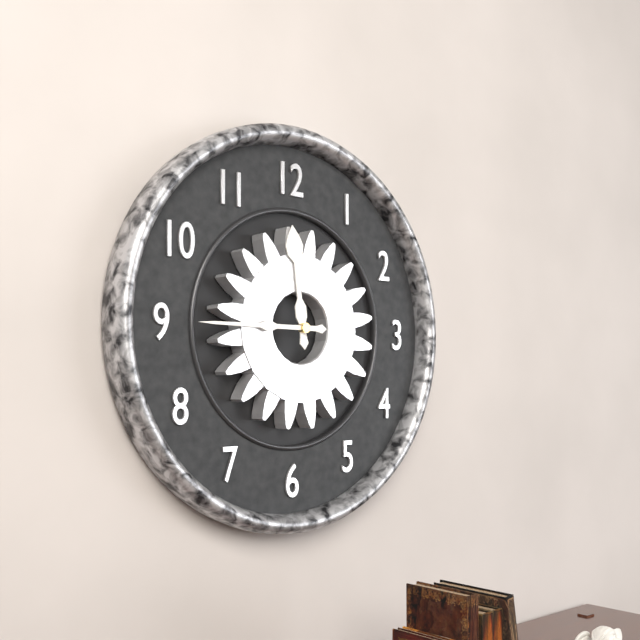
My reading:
11h45
